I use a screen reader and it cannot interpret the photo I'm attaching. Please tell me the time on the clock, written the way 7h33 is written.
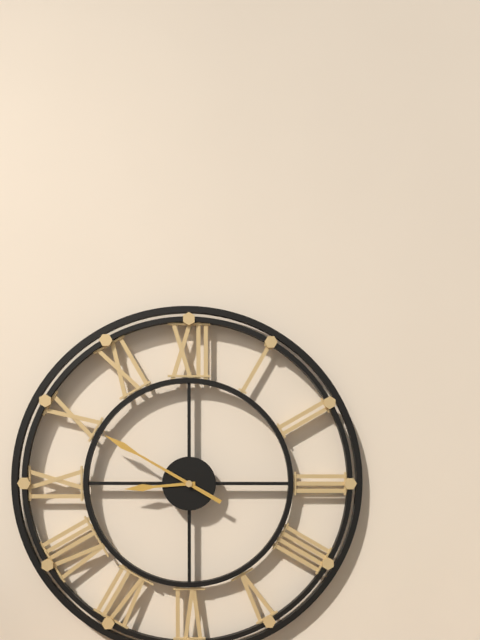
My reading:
8h50
